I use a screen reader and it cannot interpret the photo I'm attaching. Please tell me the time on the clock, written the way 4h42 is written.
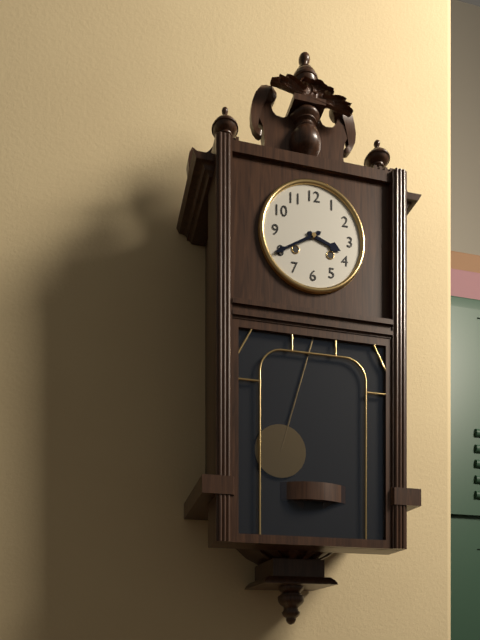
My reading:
3h40
